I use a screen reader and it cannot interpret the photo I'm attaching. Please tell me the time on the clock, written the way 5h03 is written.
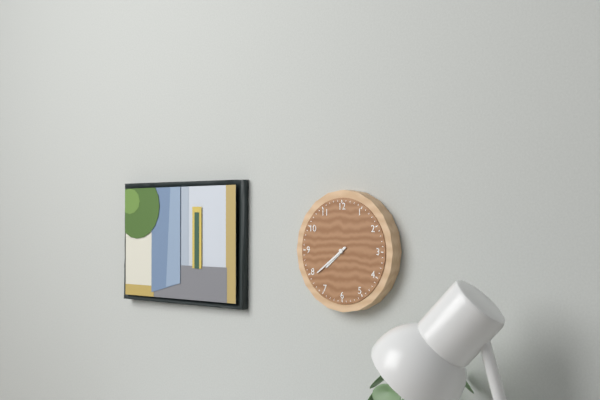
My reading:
7h39
